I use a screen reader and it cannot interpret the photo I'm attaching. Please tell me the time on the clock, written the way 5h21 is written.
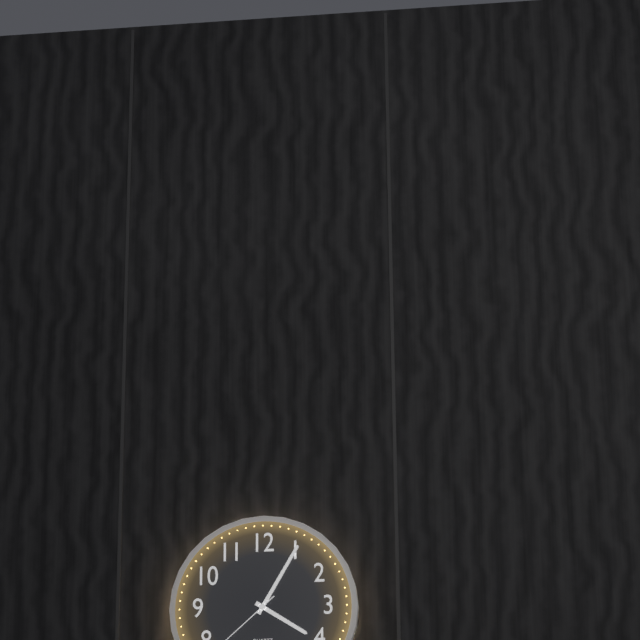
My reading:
4h05
